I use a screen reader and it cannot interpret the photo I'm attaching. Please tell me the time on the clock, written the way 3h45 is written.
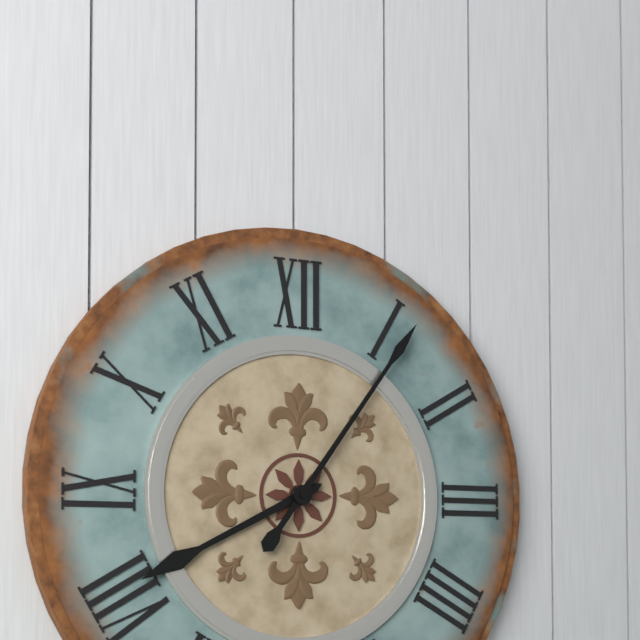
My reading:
8h06
